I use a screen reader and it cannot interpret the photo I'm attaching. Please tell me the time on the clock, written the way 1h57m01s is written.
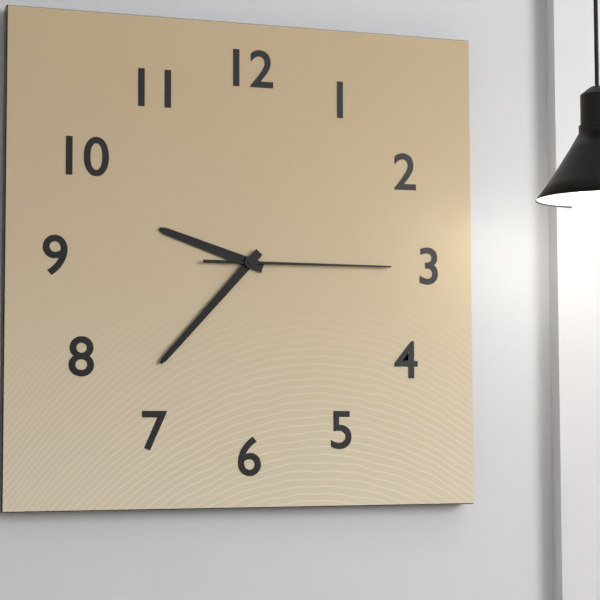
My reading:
9h37m15s
